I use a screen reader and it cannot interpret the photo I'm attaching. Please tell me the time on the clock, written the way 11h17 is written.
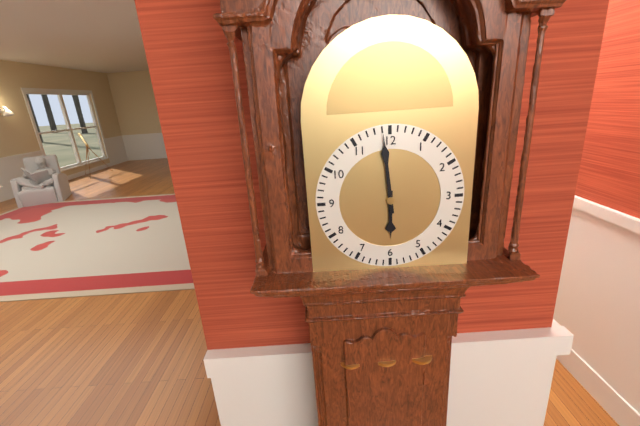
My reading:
5h59
